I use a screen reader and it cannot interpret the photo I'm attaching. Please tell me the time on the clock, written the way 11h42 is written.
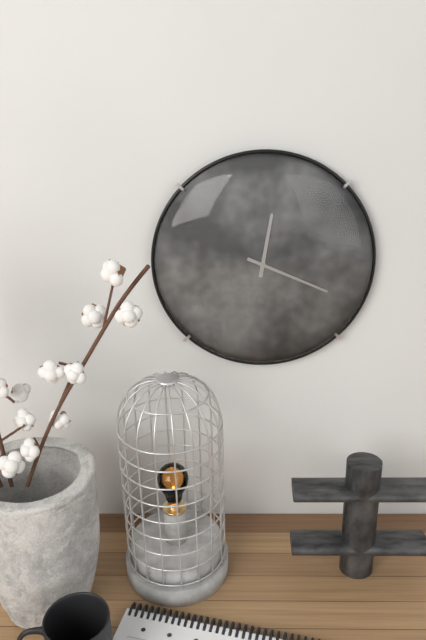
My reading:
12h19
